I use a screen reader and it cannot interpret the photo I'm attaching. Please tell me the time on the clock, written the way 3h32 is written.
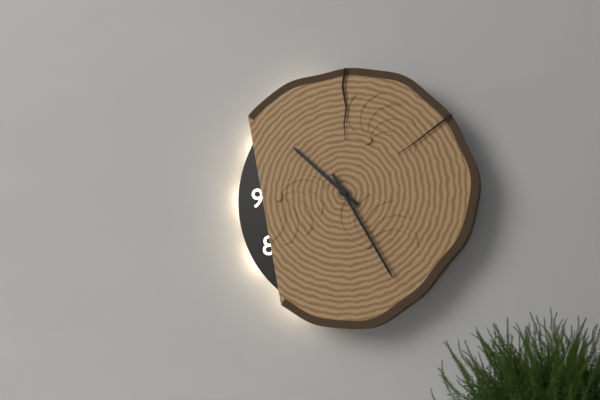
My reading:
10h25
